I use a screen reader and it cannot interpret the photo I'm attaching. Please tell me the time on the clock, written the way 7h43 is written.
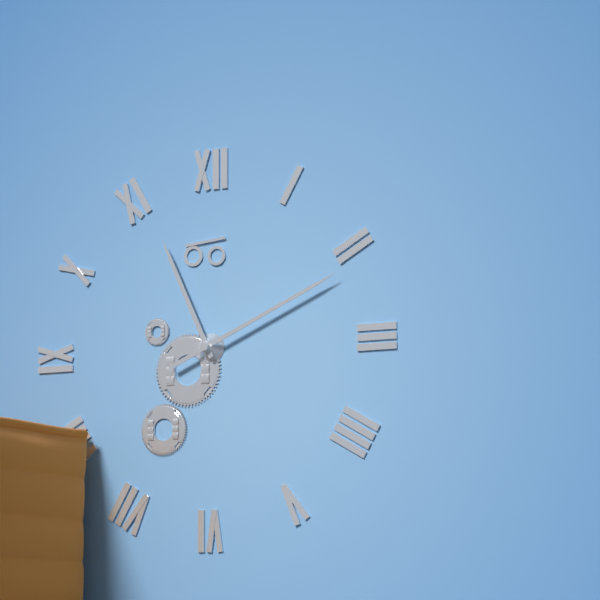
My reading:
11h11
